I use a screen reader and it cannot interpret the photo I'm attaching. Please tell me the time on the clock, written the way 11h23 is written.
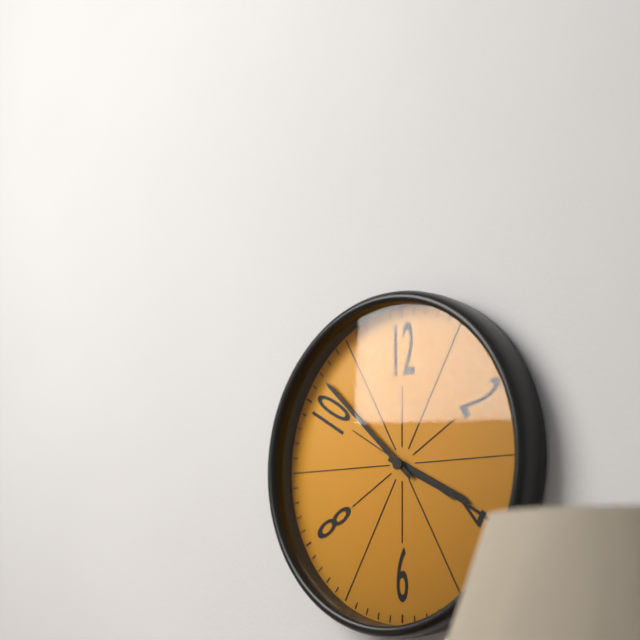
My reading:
3h52
